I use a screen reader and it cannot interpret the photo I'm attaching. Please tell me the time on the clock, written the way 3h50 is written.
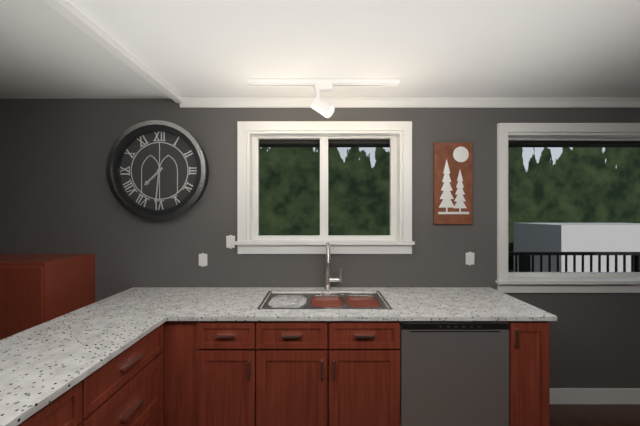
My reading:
7h31
